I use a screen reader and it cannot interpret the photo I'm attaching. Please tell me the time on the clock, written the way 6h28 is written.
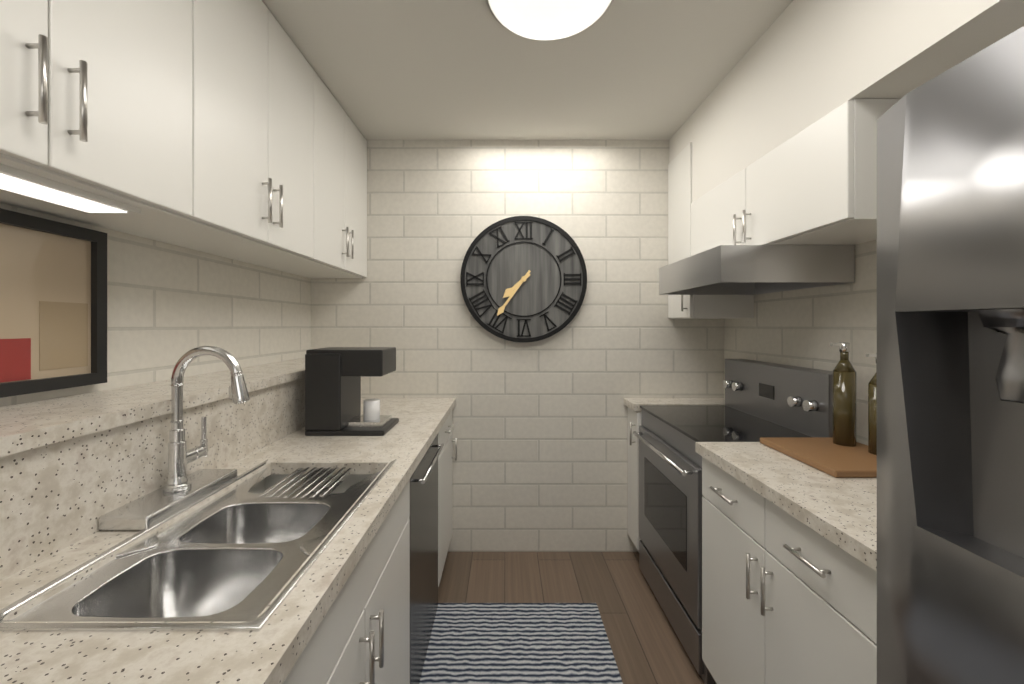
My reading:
7h36
